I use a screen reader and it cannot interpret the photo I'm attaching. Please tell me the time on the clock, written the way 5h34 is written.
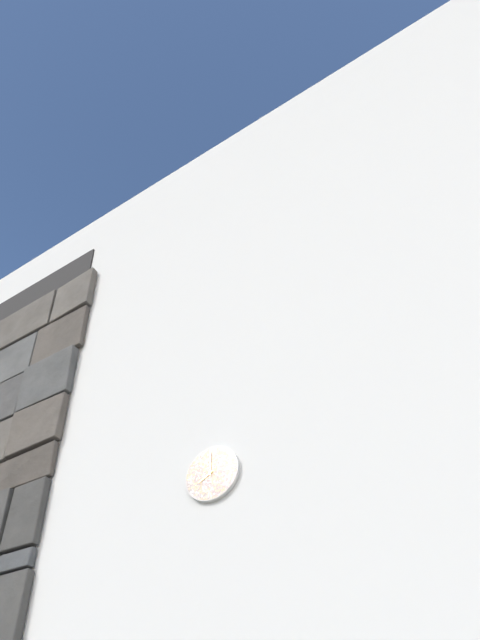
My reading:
8h00
